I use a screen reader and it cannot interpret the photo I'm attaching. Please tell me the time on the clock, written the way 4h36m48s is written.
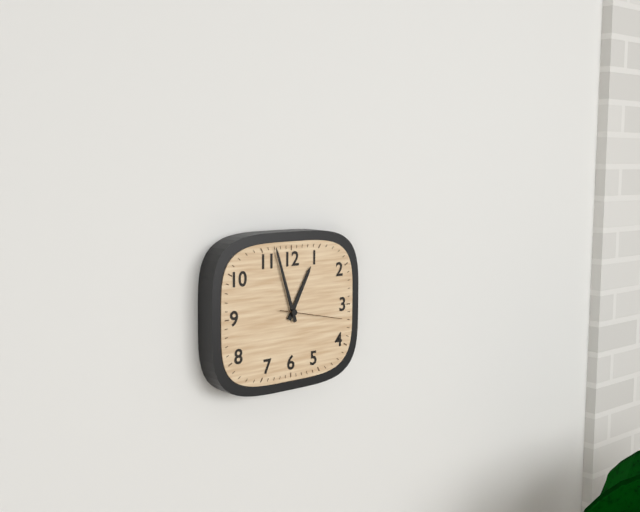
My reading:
12h57m17s
